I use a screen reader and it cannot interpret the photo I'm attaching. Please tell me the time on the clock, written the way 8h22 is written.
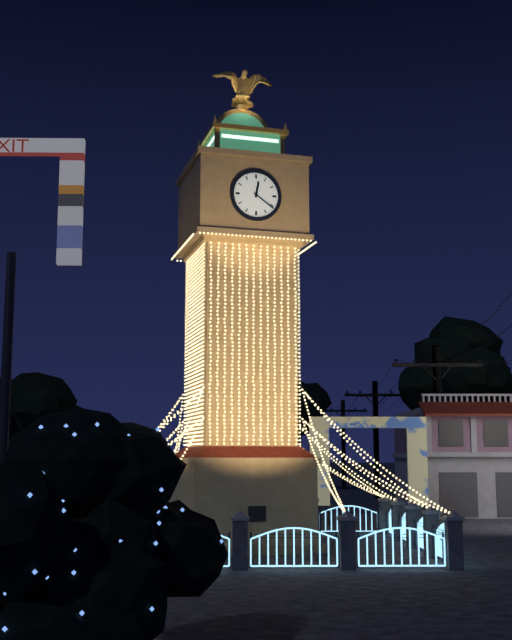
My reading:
12h21
